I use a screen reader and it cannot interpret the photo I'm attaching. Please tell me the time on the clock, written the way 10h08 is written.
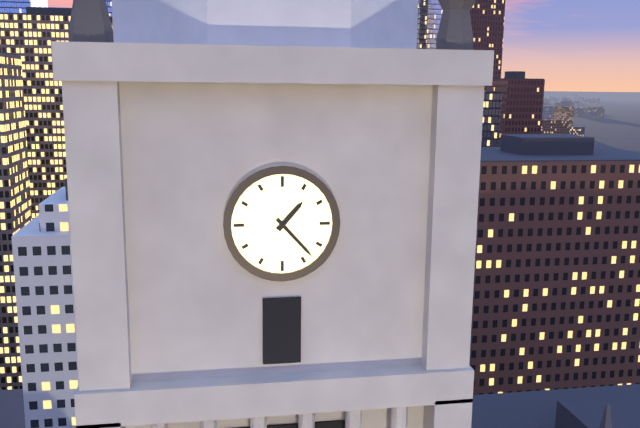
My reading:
1h23
